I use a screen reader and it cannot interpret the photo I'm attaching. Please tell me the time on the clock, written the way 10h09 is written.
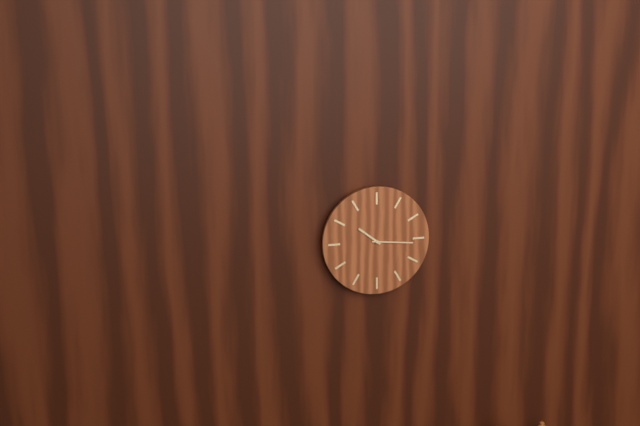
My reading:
10h16
